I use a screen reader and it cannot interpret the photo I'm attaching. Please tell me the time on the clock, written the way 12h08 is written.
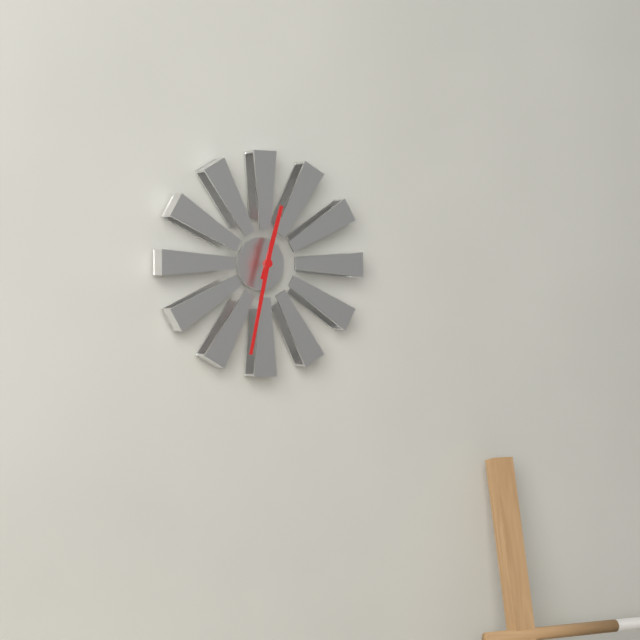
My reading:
12h32
